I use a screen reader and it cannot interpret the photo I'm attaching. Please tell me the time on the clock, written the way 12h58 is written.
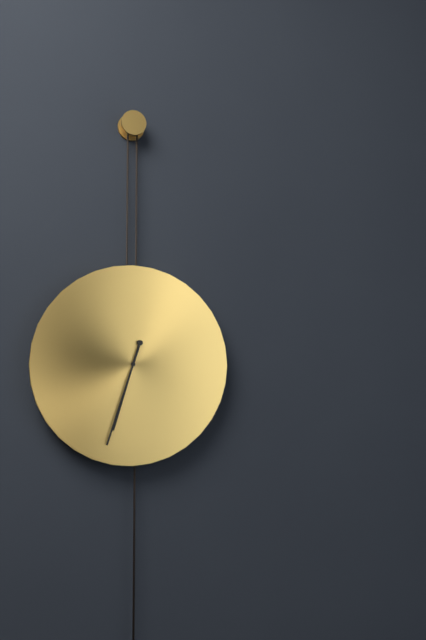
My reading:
6h33
